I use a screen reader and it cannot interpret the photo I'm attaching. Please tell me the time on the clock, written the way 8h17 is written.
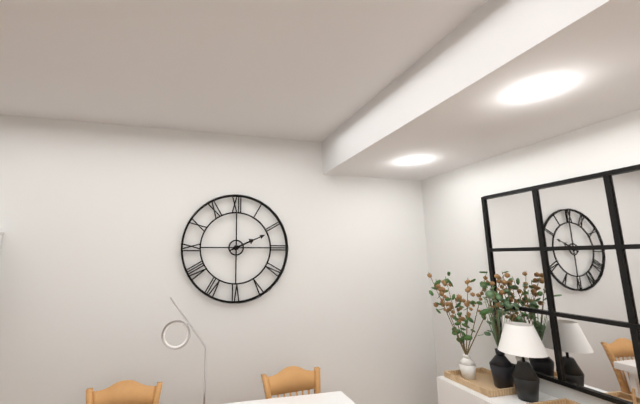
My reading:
2h11
